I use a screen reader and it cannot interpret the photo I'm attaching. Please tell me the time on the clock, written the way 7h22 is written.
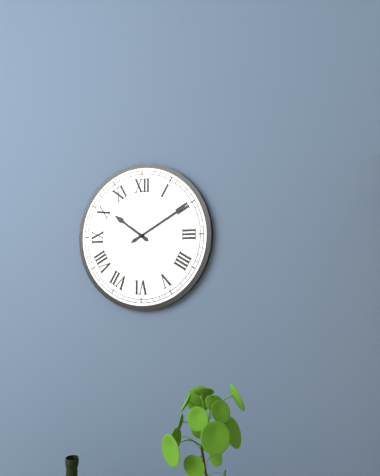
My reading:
10h10
